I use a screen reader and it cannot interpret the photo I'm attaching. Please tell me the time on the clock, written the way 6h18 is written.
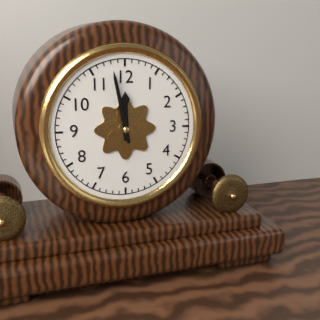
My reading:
11h58
